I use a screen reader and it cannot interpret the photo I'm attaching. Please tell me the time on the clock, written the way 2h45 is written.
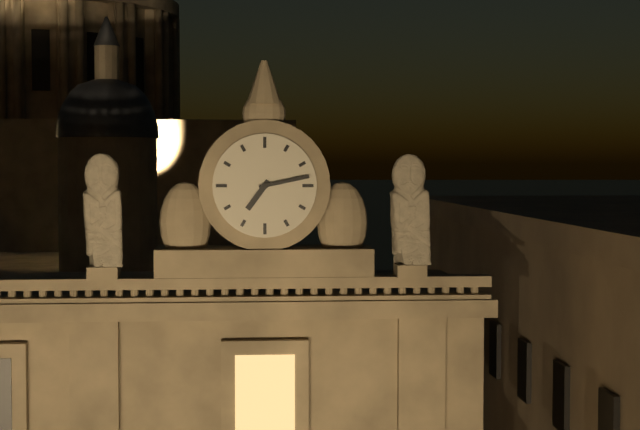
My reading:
7h13
